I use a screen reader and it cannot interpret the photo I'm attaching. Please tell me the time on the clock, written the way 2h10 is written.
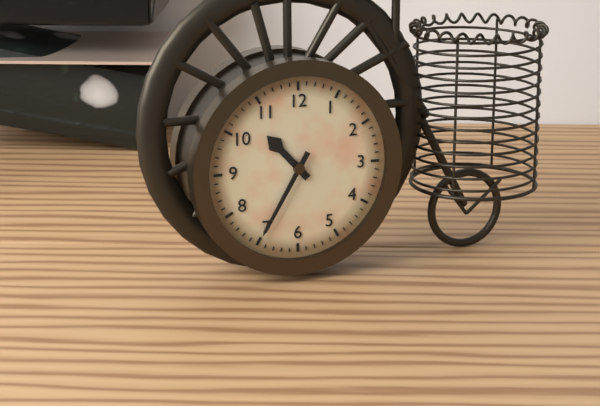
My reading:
10h35
